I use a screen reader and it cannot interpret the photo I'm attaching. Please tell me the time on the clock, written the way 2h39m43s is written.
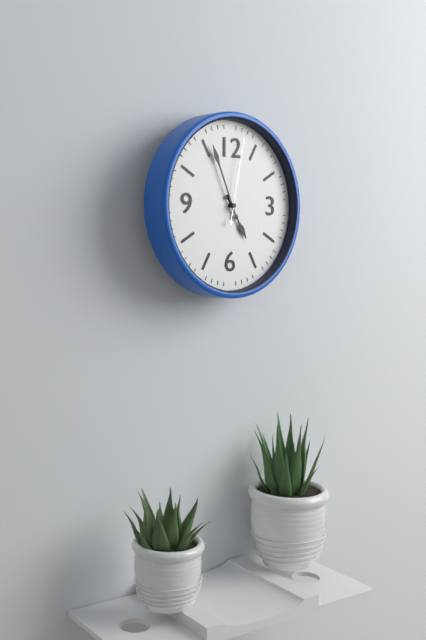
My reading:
4h56m02s
